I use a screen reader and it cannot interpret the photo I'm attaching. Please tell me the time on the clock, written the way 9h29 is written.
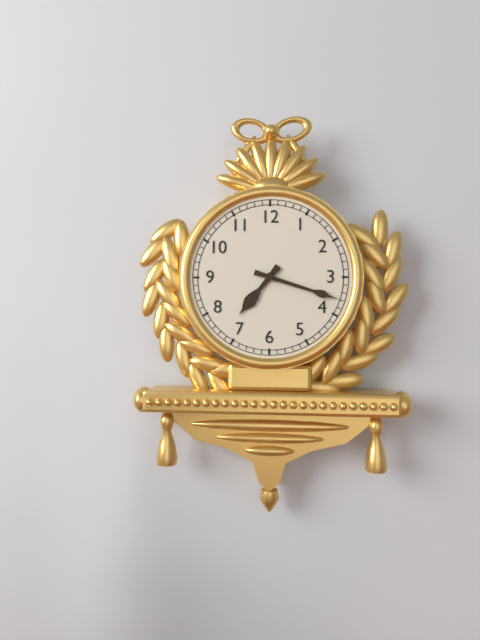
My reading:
7h18
